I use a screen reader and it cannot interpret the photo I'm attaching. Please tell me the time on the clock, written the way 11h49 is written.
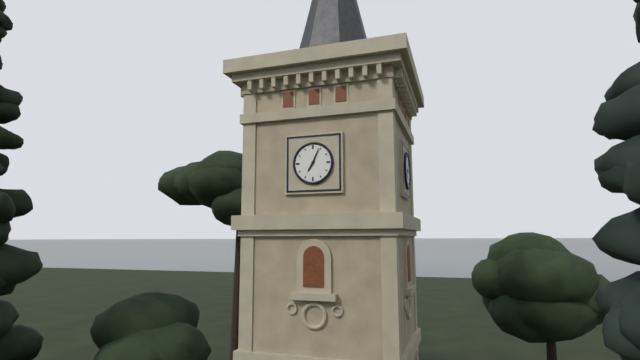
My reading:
7h04
